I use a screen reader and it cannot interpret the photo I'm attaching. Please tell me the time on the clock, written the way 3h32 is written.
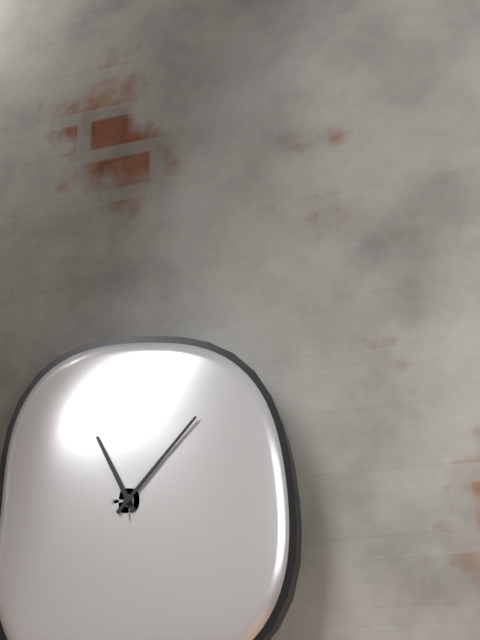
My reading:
11h07
